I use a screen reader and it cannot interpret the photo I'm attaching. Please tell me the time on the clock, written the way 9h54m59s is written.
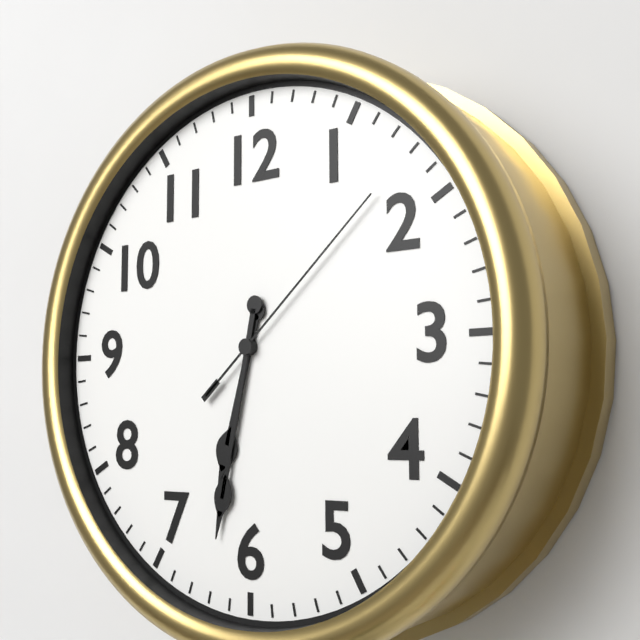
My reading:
6h32m08s
